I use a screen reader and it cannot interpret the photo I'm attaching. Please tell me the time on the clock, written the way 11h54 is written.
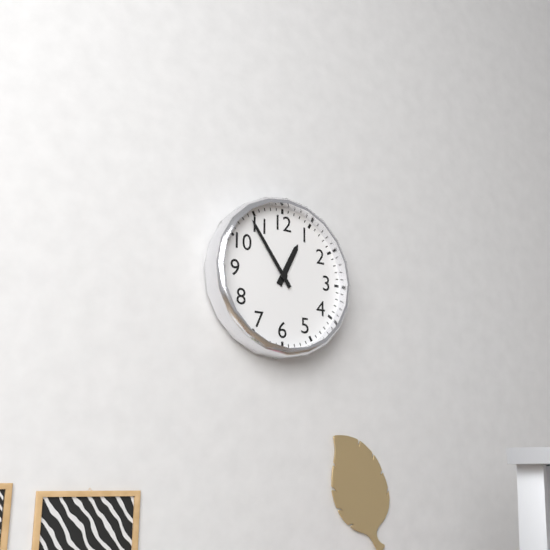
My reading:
12h54
